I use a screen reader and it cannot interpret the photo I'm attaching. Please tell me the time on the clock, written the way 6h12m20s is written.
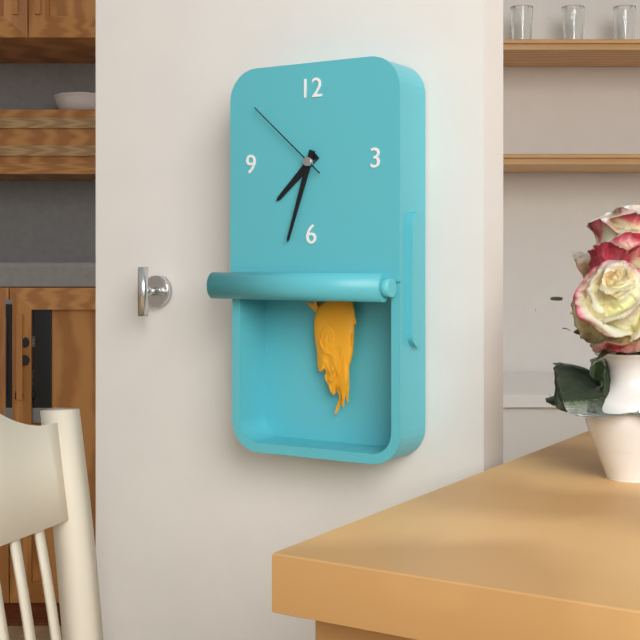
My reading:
7h33m52s
